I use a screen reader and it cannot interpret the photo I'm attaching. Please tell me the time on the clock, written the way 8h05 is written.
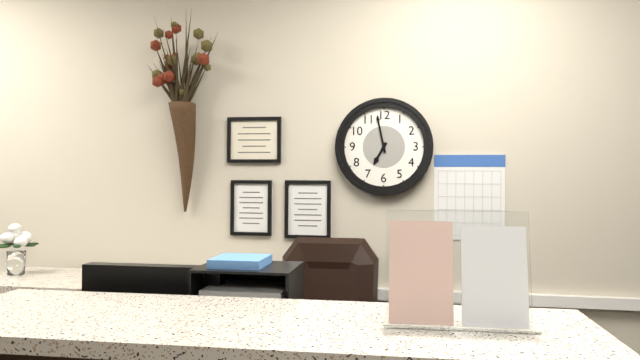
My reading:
6h58
